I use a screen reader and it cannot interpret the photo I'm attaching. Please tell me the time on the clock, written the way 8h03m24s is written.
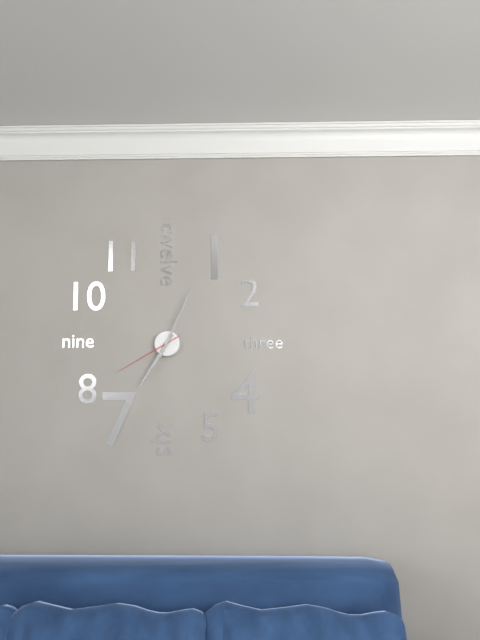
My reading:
7h04m40s
